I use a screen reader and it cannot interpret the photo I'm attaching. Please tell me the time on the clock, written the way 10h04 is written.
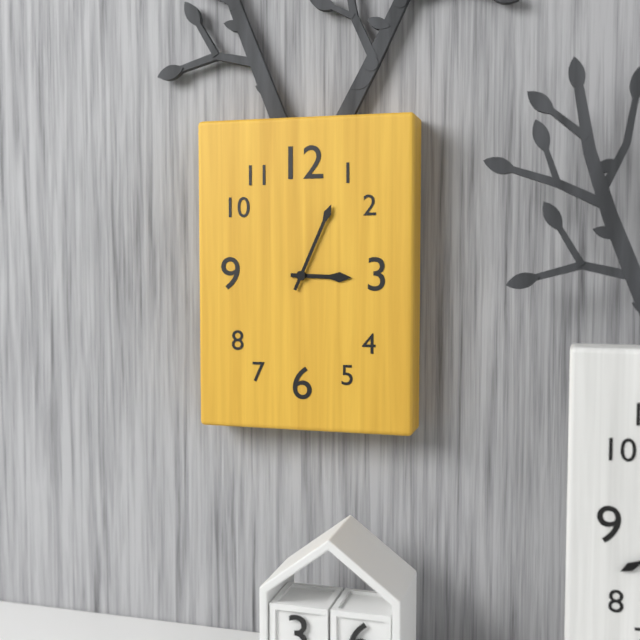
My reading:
3h04
